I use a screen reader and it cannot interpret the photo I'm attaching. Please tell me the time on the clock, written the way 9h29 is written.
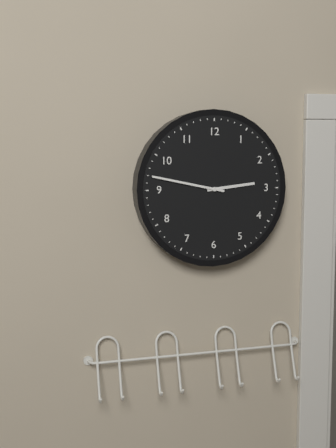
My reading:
2h47
